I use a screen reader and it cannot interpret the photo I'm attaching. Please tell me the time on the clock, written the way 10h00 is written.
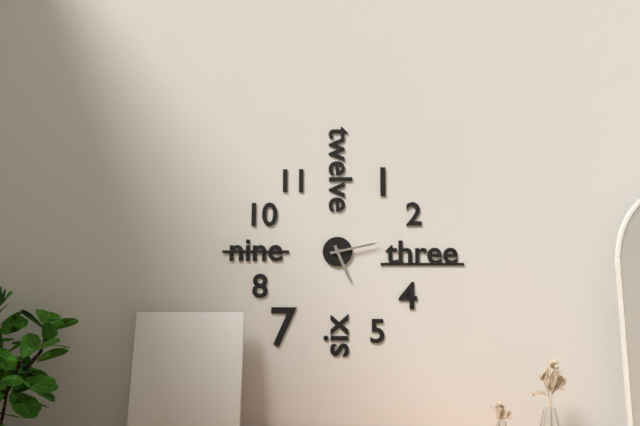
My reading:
5h13
